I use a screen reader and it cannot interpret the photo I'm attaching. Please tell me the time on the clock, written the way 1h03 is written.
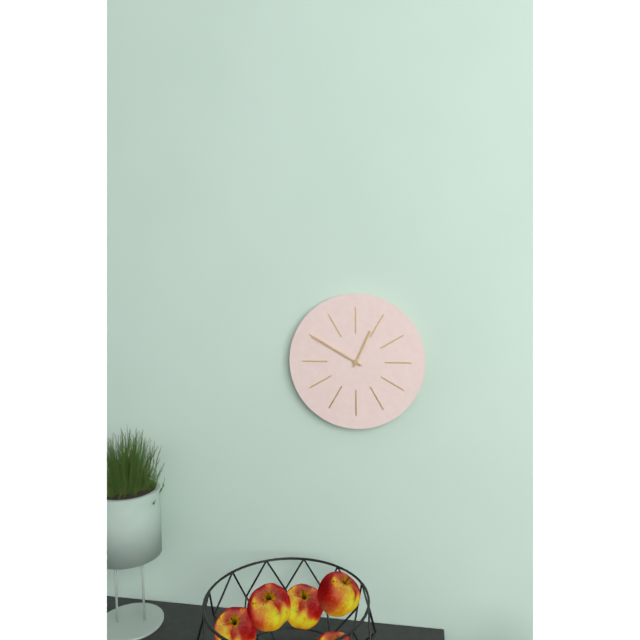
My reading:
12h50
